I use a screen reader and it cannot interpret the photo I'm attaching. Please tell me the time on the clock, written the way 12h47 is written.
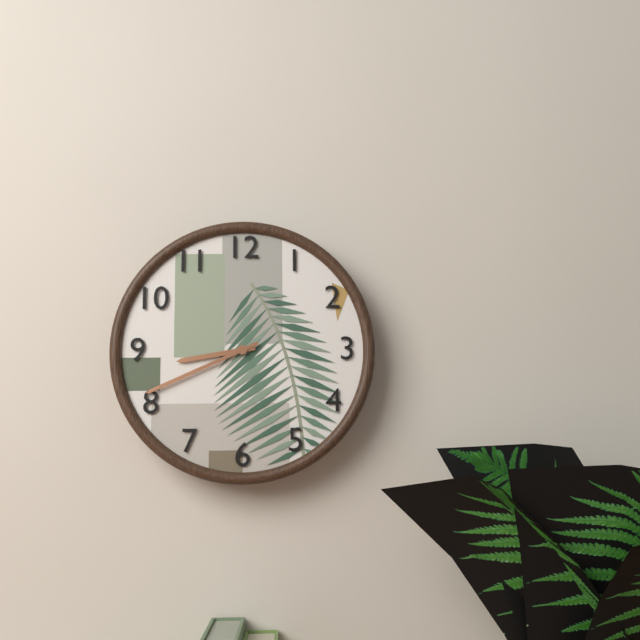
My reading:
8h41
